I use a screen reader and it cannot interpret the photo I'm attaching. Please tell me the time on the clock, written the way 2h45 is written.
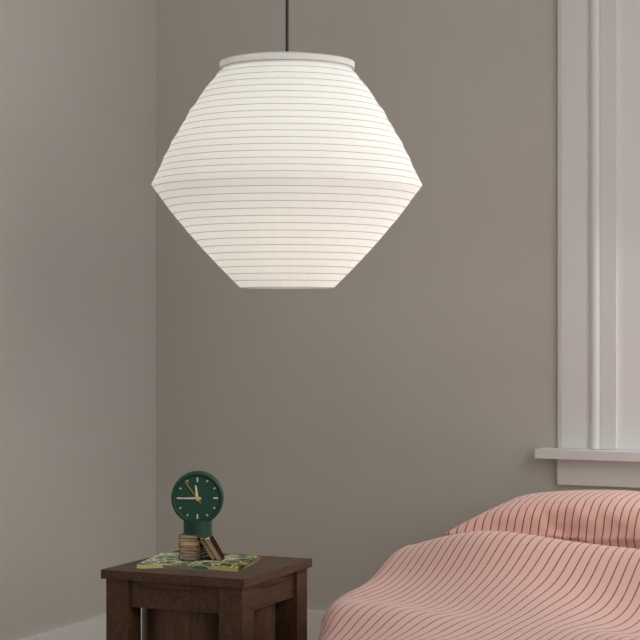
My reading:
11h45
